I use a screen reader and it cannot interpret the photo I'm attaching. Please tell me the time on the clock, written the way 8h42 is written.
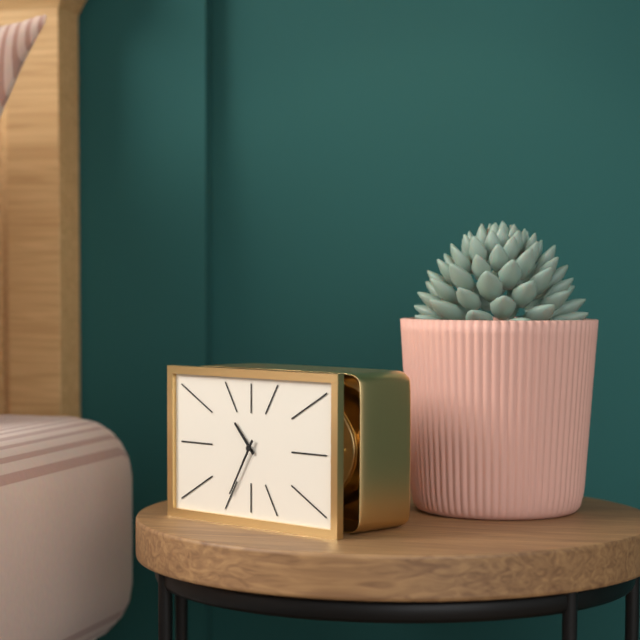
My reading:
10h35
